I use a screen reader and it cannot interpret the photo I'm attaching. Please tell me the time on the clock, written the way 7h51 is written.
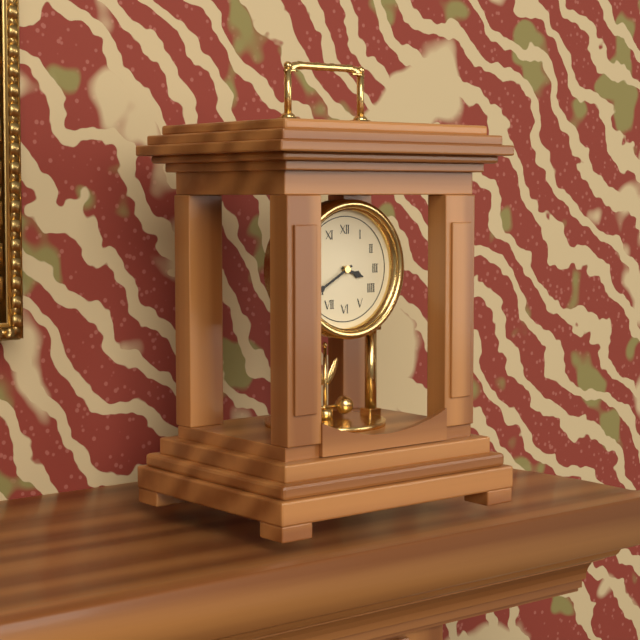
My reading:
3h40
